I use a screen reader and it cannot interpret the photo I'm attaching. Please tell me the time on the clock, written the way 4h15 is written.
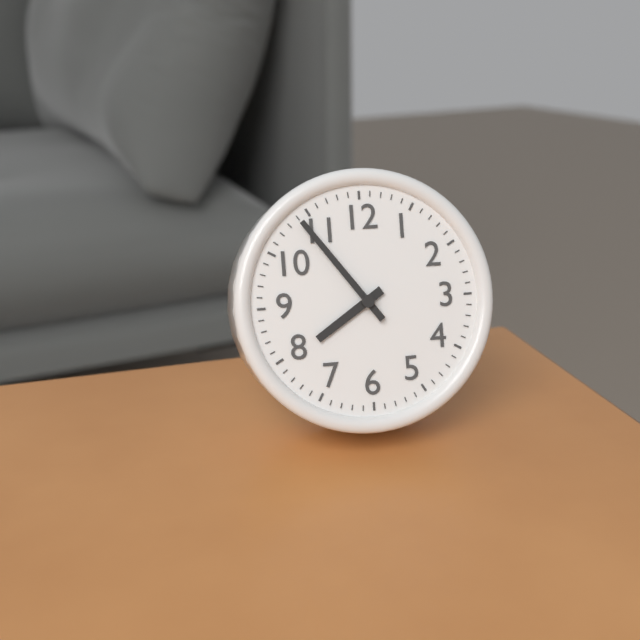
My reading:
7h54
